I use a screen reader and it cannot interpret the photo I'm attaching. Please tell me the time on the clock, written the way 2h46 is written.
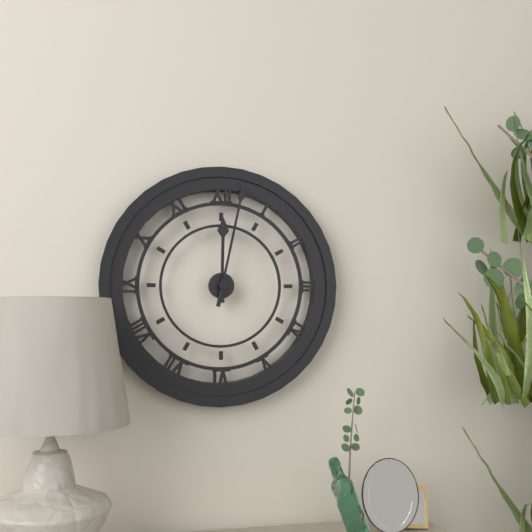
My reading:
12h02
